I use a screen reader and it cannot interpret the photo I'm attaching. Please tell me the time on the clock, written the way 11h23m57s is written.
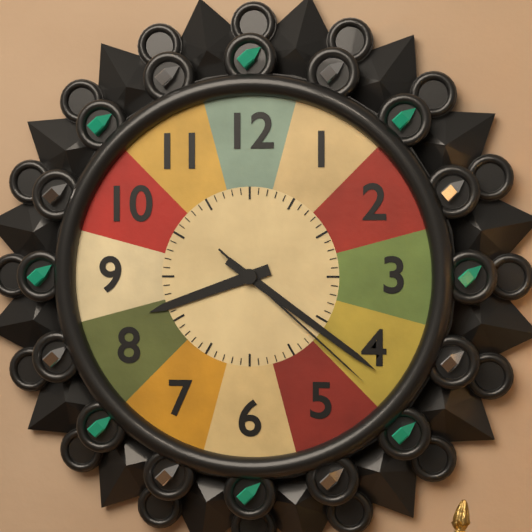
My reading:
8h21m22s
